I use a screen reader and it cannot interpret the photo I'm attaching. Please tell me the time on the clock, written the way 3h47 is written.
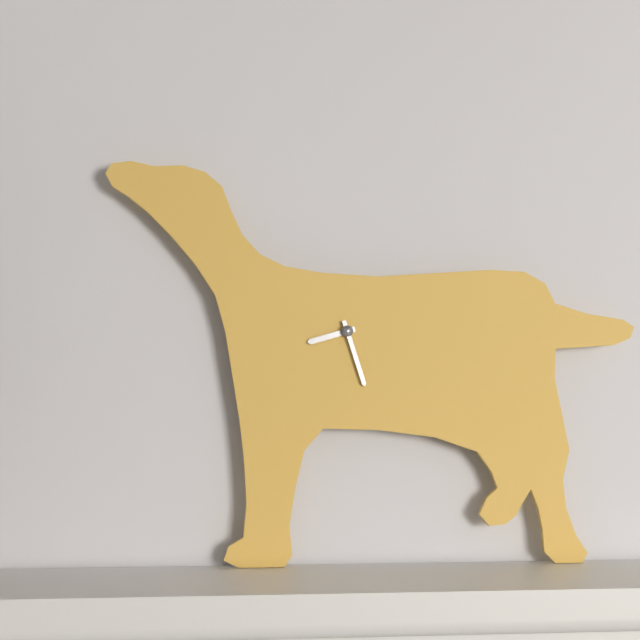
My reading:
8h27
